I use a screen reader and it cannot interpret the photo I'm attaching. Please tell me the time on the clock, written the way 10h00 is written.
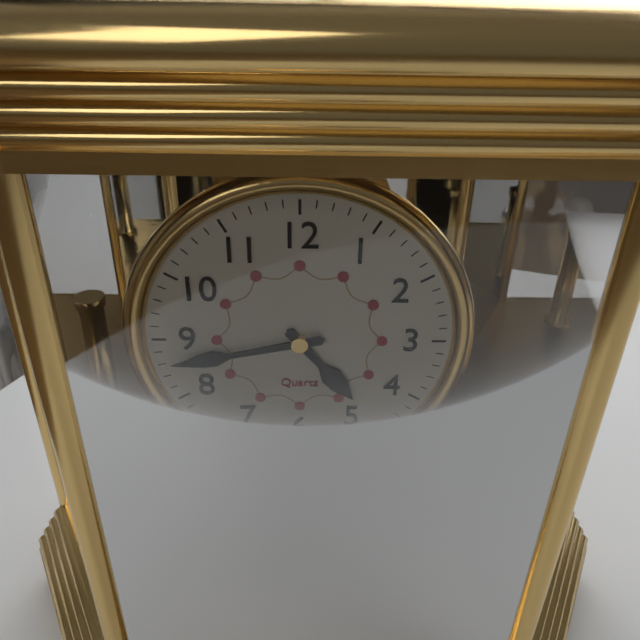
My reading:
4h43
